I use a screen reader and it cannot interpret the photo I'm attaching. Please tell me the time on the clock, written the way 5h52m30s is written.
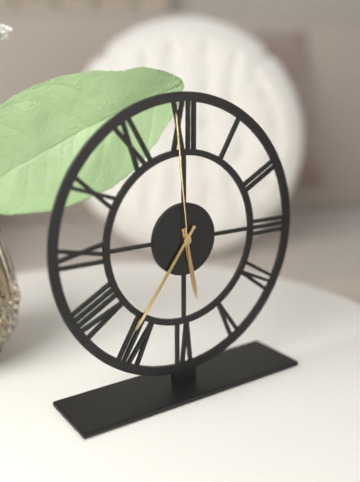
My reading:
5h36m59s
